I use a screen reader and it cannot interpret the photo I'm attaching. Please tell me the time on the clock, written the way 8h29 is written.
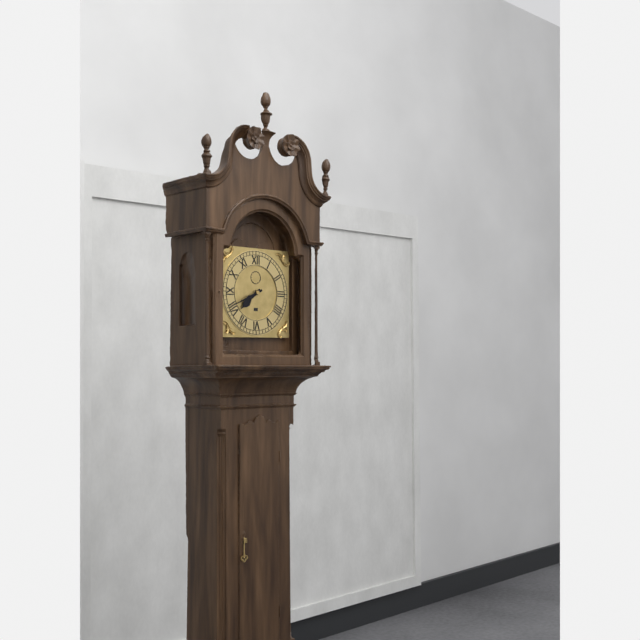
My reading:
7h41
